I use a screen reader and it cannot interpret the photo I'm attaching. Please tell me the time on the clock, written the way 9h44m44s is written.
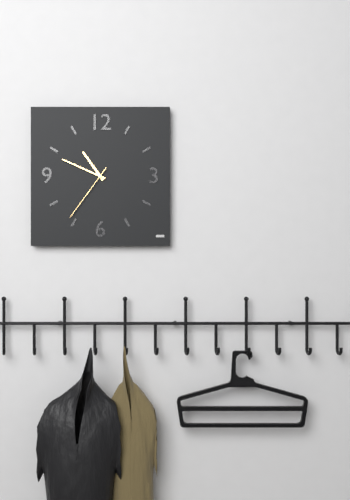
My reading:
10h49m36s
